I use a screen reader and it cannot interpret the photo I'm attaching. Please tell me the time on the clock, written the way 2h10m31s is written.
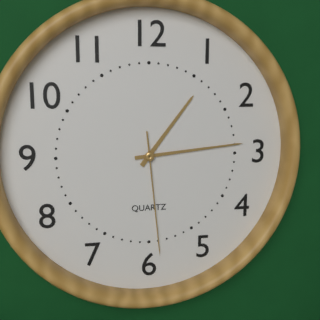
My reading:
1h14m29s
